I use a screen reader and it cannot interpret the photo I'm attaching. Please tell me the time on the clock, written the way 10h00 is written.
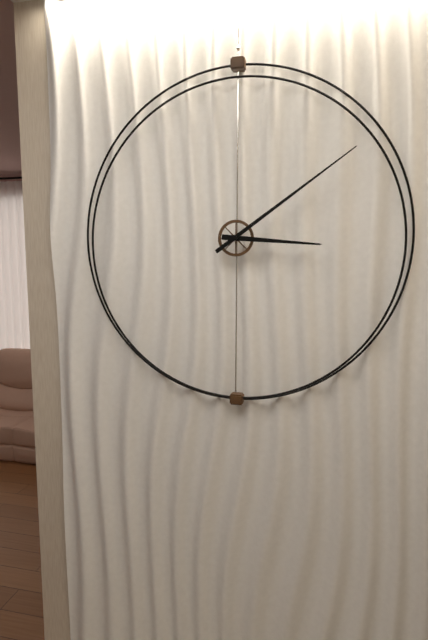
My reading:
3h09
